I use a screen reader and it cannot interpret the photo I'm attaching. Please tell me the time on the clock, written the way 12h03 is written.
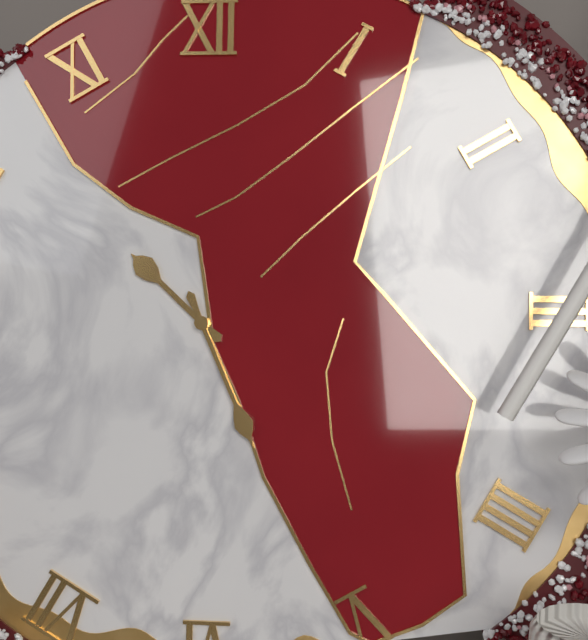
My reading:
10h26
